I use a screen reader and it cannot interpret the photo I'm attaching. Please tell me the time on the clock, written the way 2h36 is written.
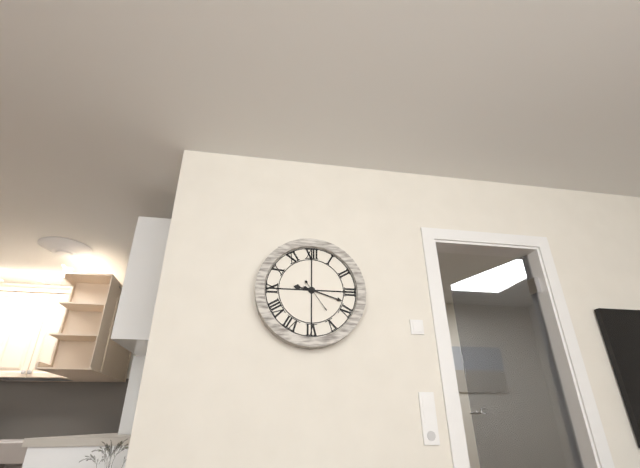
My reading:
9h18
